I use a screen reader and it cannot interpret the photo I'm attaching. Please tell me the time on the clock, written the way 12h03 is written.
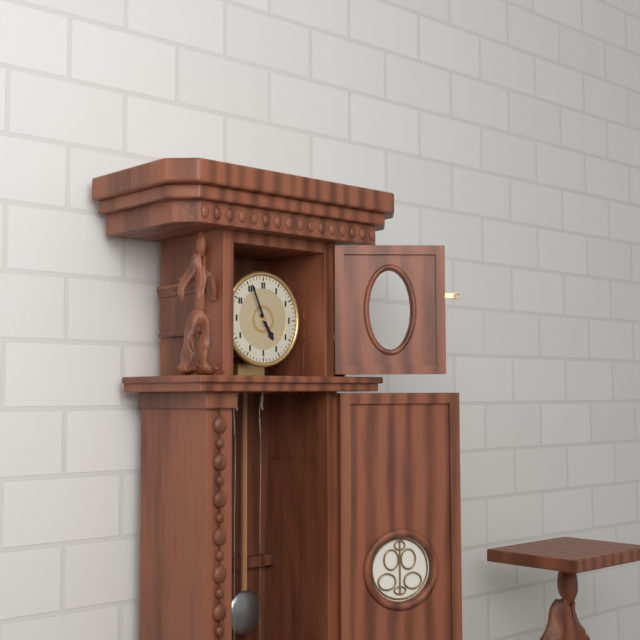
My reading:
4h56
